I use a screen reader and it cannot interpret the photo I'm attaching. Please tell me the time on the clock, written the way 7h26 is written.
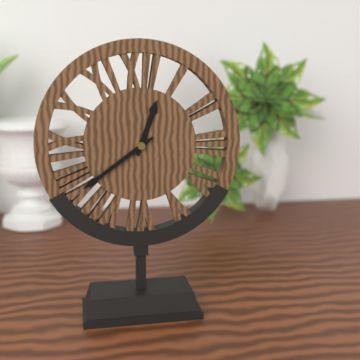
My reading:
12h39
